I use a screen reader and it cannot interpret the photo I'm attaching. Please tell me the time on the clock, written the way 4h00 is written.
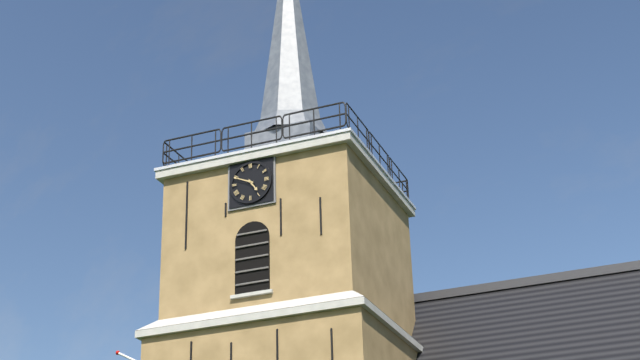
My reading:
4h49
